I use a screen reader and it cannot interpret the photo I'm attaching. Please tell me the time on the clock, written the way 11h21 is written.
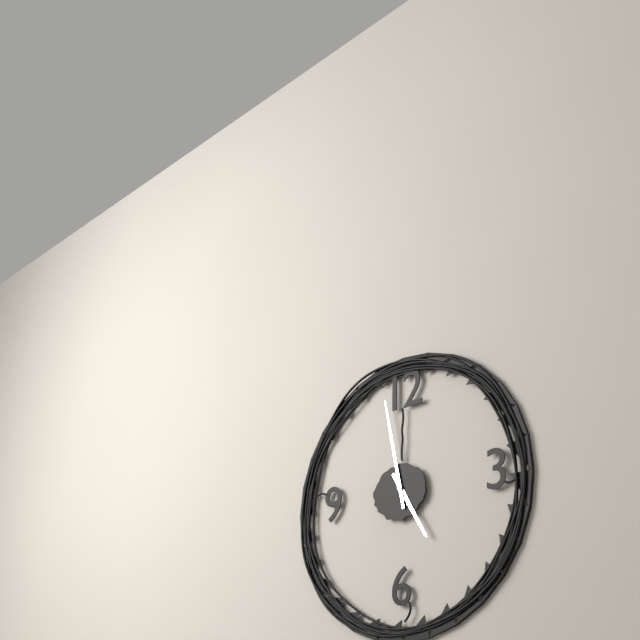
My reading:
4h58
